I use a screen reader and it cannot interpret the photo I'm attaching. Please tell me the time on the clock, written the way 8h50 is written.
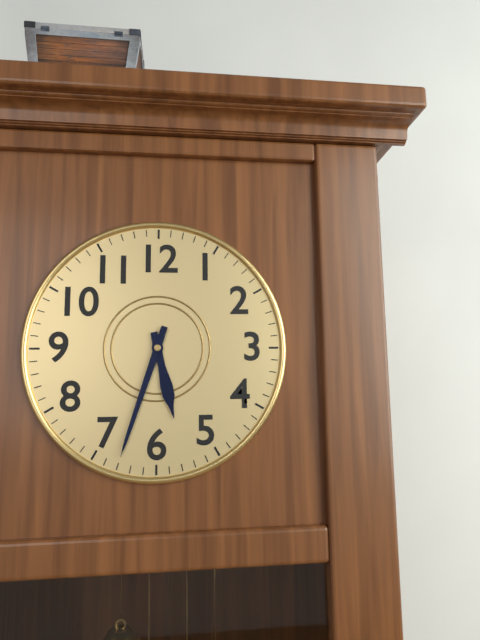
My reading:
5h33
